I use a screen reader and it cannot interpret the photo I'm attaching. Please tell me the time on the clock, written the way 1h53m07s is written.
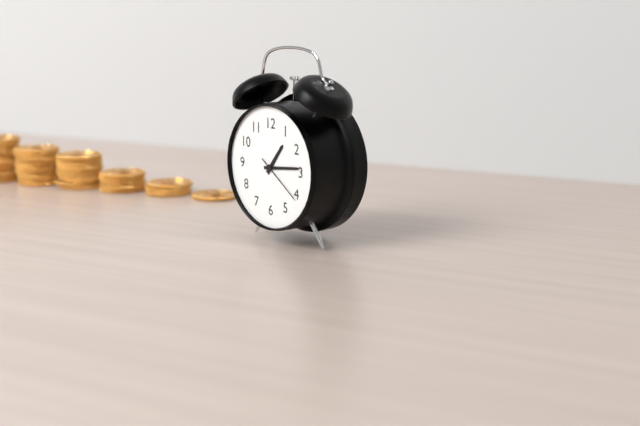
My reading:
1h14m21s
